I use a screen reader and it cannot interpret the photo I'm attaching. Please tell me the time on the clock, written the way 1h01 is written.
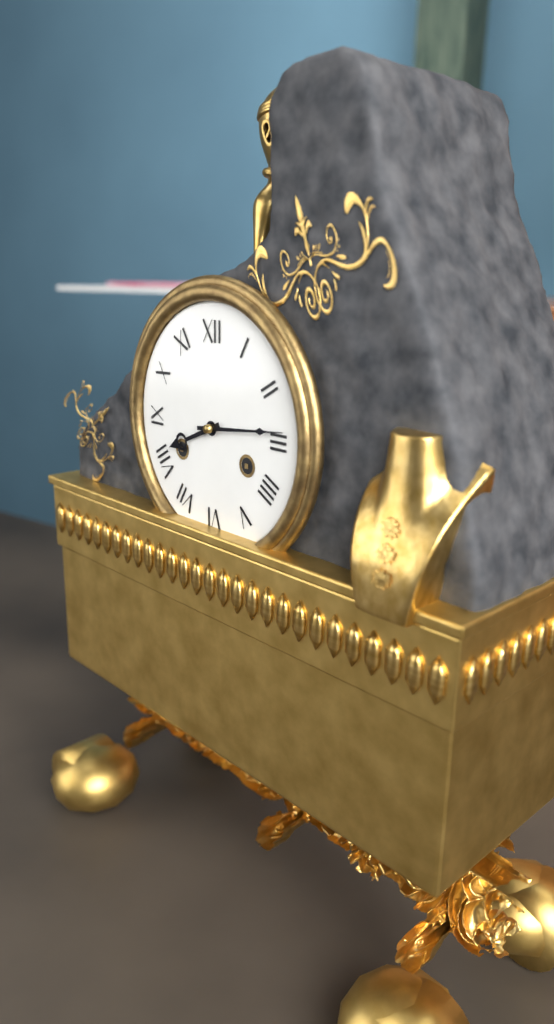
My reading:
8h14
